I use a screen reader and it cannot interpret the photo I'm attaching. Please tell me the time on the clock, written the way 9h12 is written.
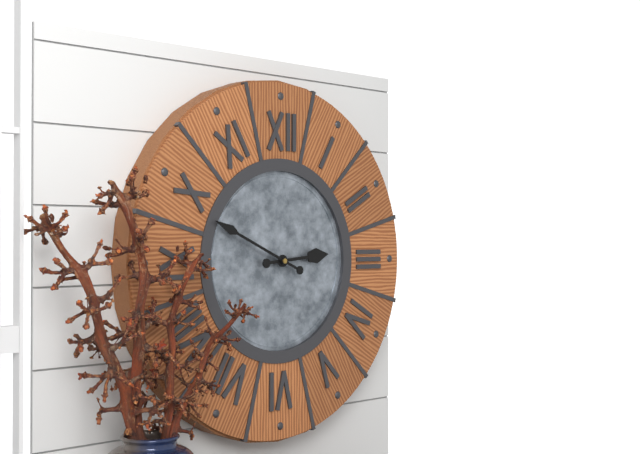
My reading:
2h49
